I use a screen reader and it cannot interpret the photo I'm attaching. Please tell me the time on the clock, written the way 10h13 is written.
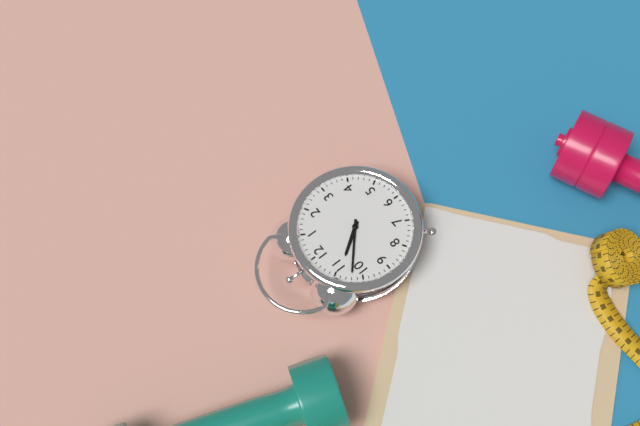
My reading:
10h52
